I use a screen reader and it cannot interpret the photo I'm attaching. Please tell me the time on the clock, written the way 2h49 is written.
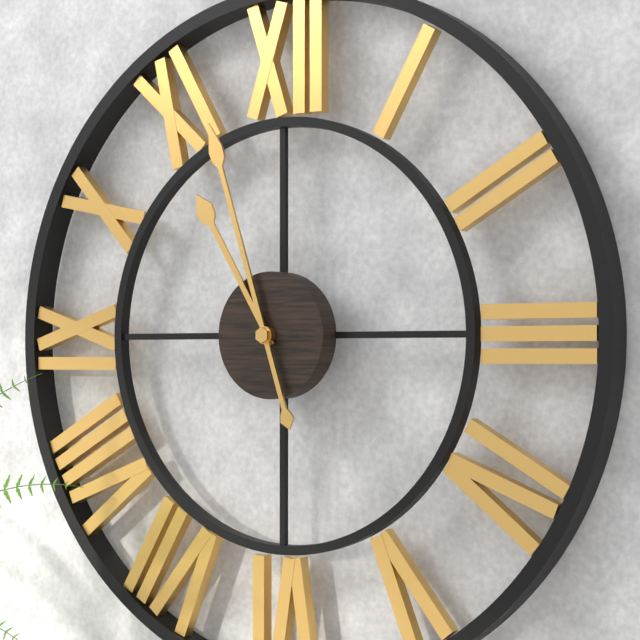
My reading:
10h57
